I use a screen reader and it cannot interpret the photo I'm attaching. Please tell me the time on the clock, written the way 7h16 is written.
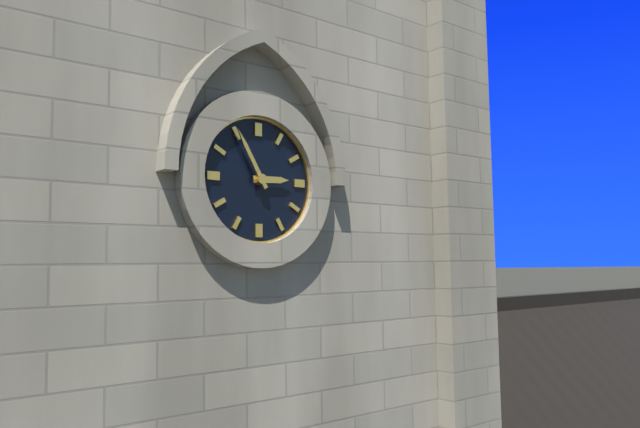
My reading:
2h55
